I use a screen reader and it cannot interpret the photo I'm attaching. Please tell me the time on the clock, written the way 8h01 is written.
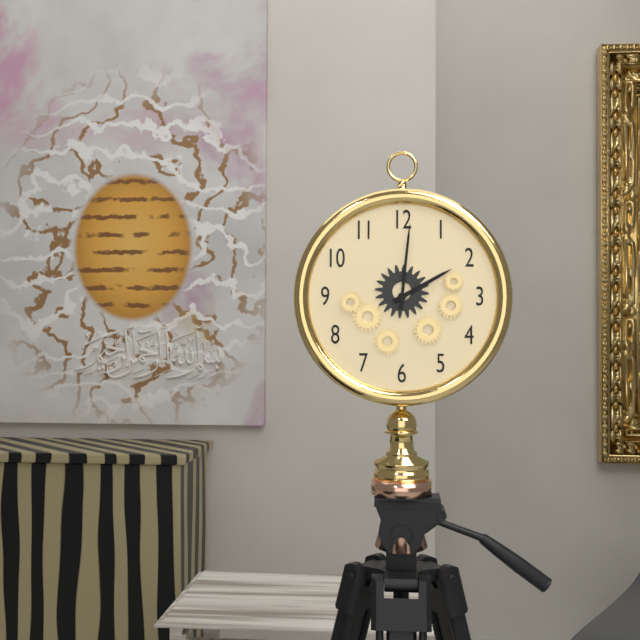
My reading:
2h01
